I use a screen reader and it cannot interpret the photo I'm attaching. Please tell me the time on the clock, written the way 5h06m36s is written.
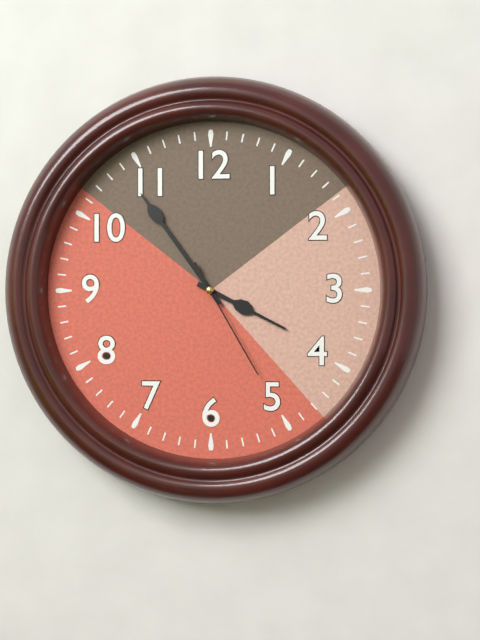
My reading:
3h54m25s
